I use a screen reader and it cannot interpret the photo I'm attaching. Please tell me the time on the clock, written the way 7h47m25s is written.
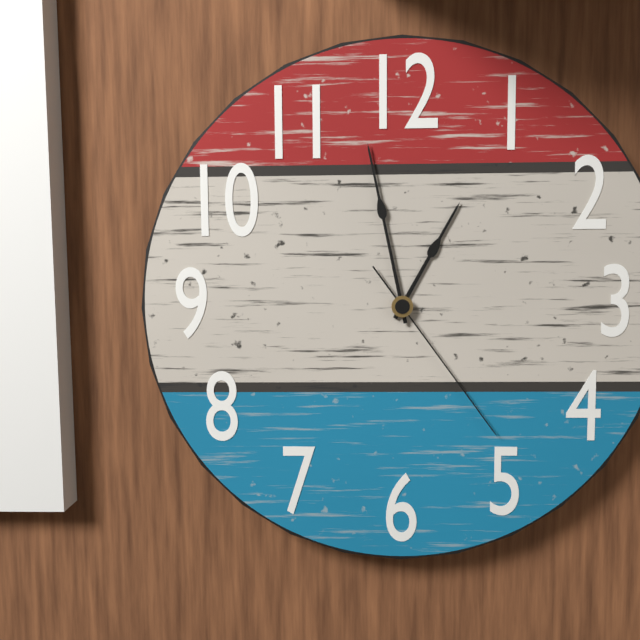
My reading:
12h58m24s
